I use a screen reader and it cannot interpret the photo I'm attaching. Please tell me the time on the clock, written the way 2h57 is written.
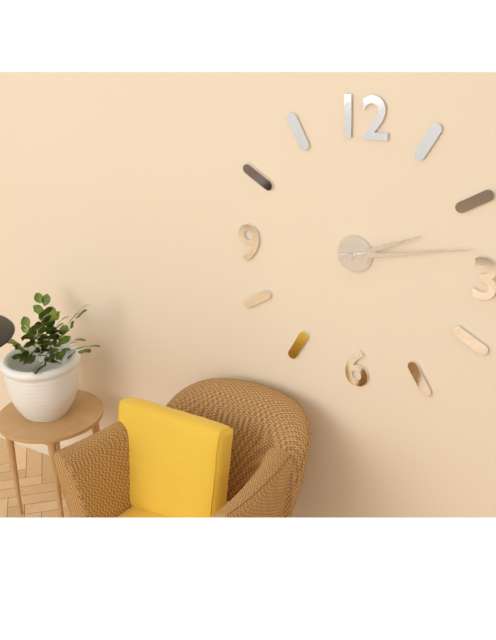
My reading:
2h13
